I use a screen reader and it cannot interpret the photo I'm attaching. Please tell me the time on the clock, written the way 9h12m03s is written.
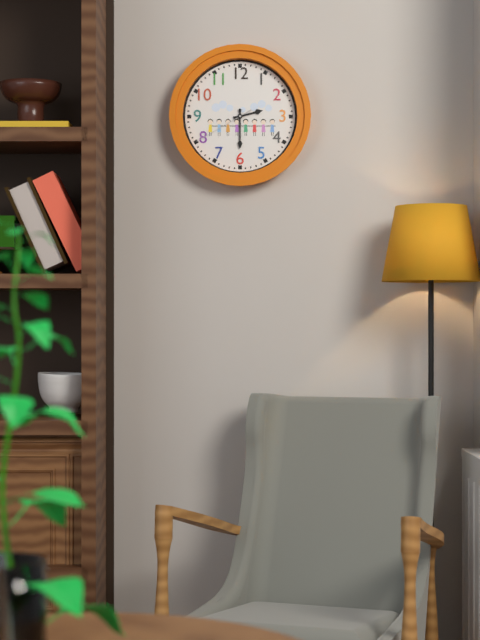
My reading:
2h30m40s
